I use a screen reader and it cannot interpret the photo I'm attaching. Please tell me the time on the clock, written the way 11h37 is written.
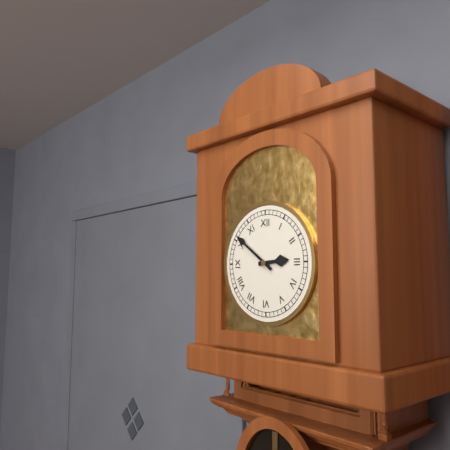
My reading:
2h51
